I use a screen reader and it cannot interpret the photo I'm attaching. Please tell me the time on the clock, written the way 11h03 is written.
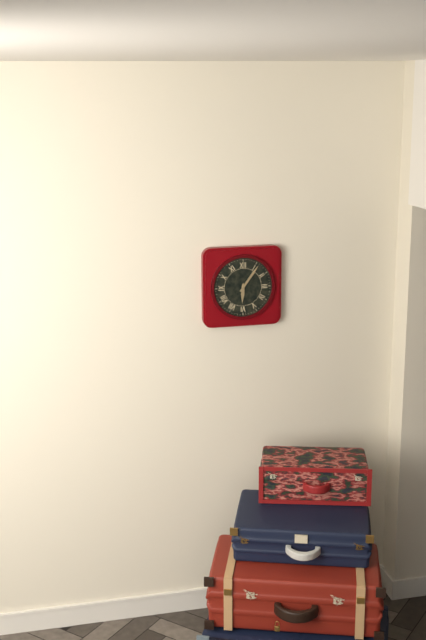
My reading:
6h06
